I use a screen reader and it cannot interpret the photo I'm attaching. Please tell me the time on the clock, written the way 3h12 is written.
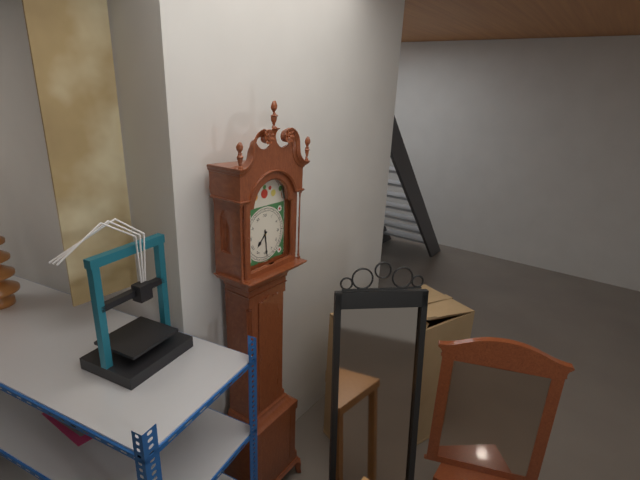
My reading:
7h29
